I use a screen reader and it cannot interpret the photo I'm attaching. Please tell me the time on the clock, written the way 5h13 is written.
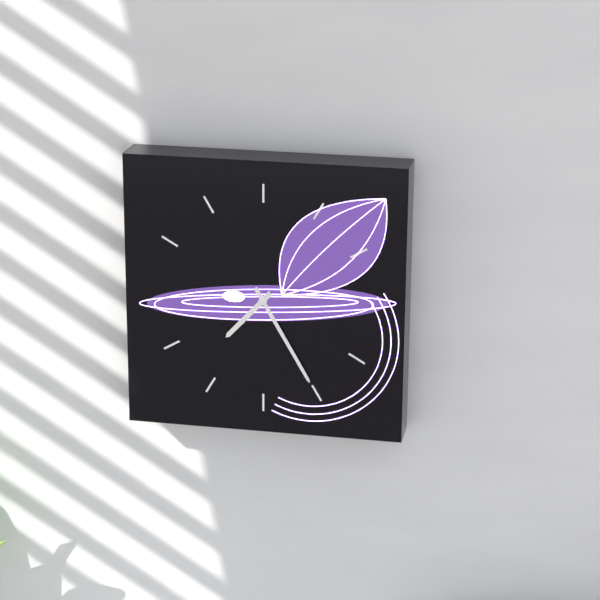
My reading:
7h25
